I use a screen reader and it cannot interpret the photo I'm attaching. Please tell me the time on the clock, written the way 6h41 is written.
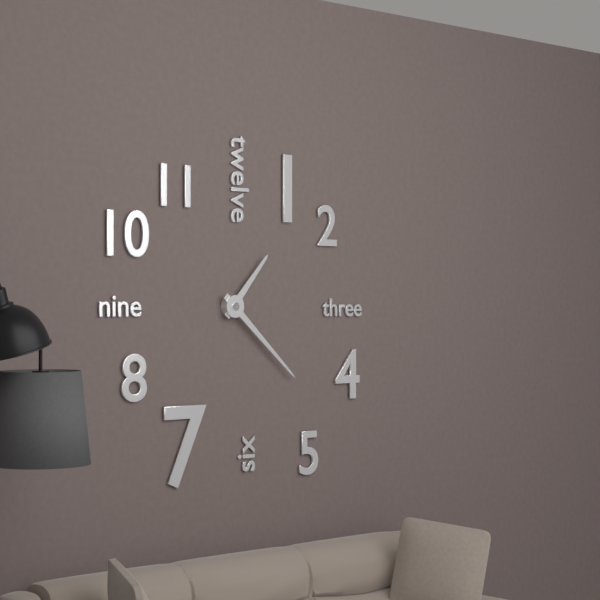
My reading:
1h22
